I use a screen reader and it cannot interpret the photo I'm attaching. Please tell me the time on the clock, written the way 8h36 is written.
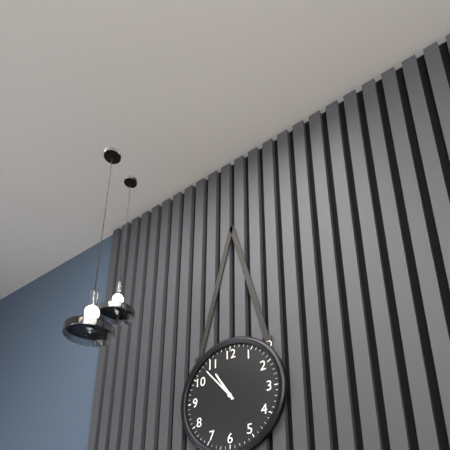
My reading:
10h53
